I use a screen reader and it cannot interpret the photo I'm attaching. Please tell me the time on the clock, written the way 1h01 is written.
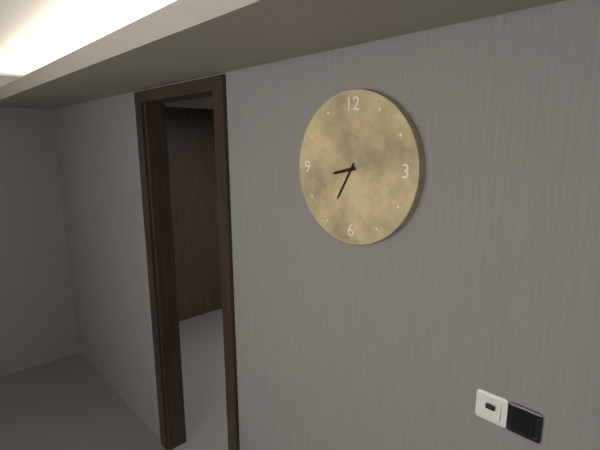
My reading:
8h35
